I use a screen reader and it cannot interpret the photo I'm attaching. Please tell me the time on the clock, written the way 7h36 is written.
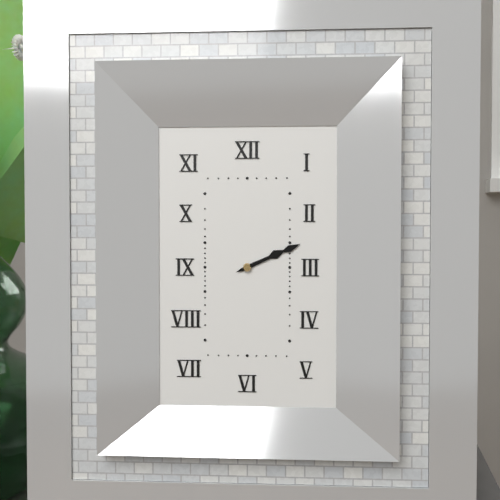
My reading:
2h11
